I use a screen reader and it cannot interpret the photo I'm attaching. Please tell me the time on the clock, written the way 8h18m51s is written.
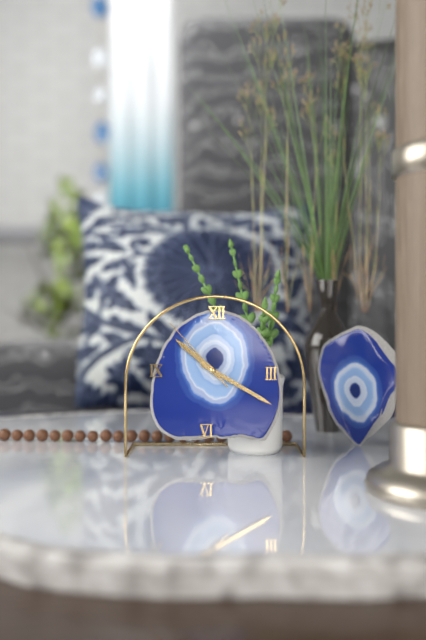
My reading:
10h20m53s
